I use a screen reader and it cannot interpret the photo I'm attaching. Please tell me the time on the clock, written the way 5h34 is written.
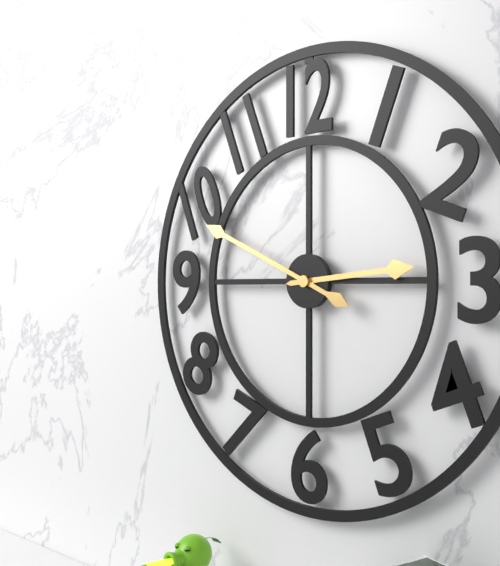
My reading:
2h49
